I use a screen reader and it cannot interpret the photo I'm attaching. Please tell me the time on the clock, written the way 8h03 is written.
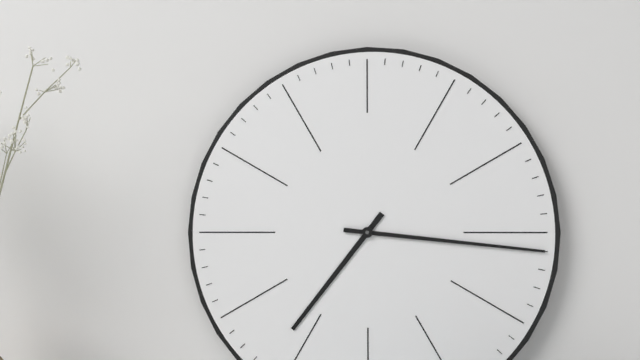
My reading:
7h16
